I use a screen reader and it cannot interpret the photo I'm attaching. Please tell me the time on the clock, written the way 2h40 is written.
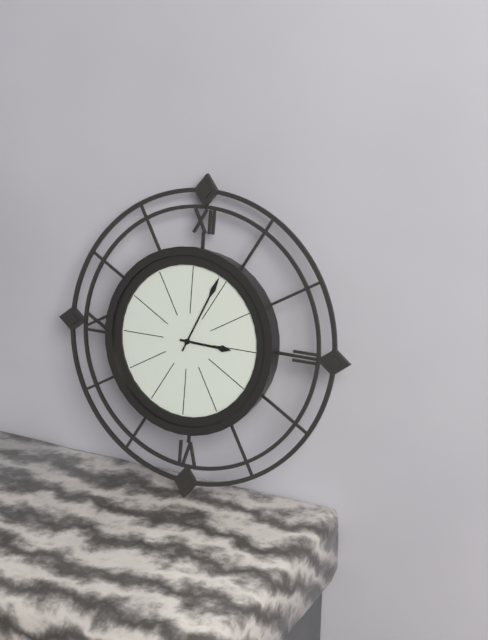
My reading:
3h04
